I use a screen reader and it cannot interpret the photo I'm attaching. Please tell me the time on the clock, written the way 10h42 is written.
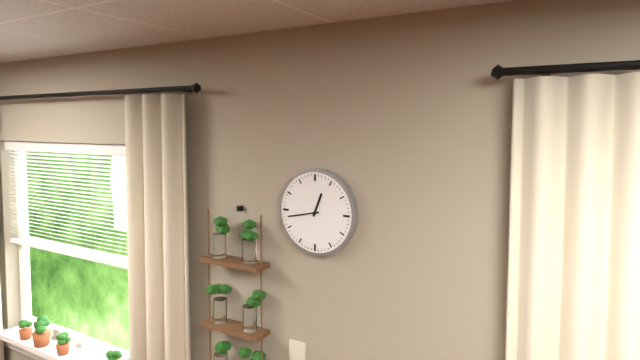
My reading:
12h43
